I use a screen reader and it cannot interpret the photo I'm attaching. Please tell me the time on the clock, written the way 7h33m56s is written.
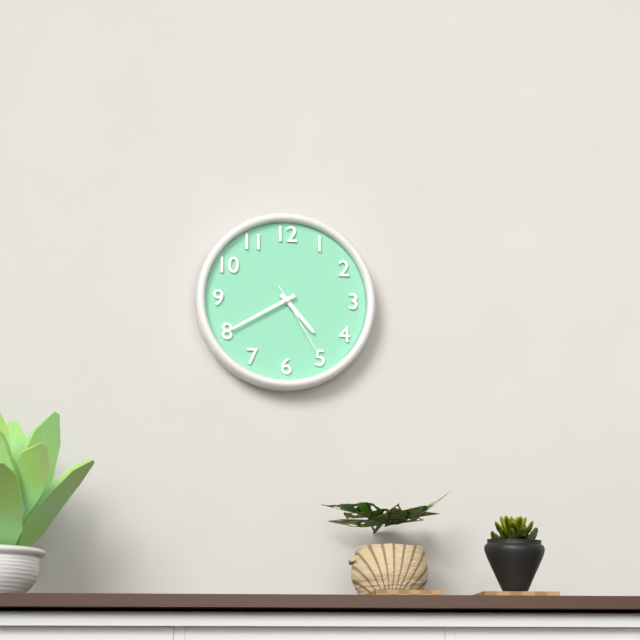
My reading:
4h40m25s
